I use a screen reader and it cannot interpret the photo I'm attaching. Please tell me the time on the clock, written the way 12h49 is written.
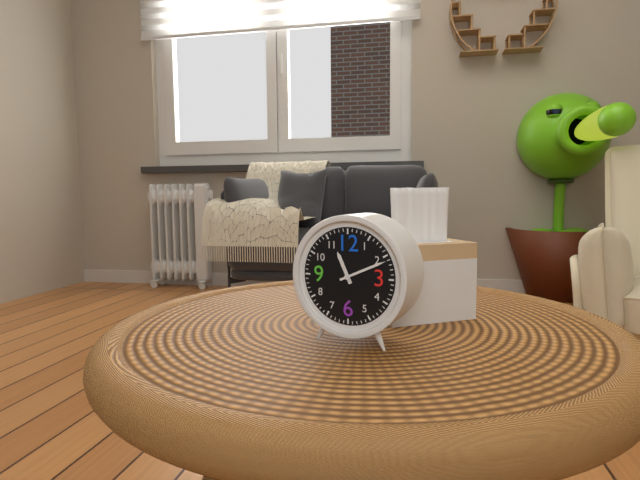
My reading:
11h11
